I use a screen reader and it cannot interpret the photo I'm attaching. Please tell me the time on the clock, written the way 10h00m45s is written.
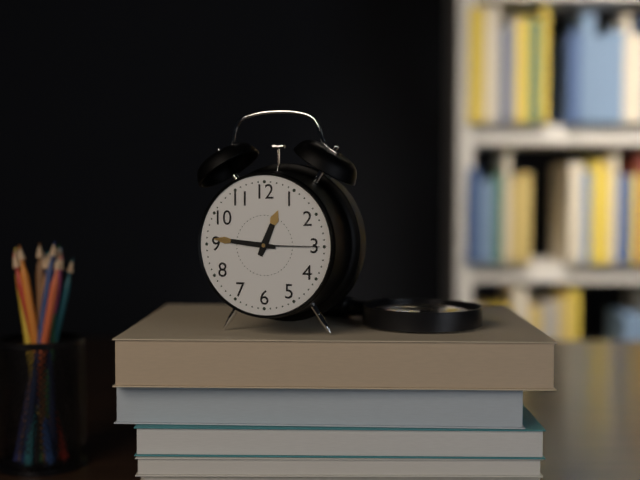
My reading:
12h46m15s
